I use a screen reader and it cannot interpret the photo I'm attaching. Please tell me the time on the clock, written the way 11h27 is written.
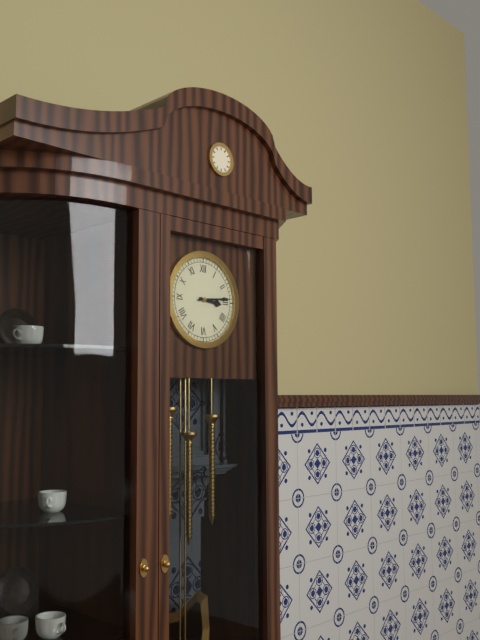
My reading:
3h14
